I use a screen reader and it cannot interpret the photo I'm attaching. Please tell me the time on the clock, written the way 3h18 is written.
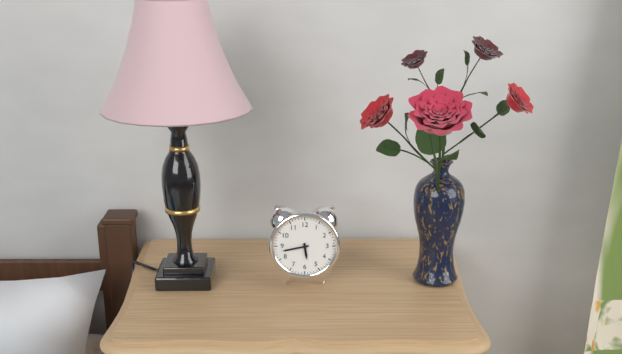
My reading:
5h43
